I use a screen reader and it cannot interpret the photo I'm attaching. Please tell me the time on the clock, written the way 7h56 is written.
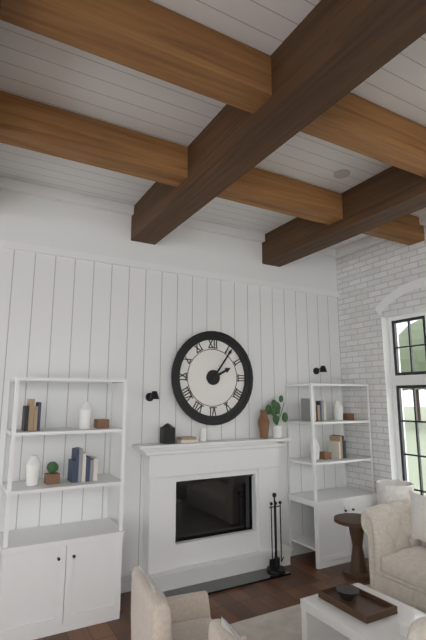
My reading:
2h06
